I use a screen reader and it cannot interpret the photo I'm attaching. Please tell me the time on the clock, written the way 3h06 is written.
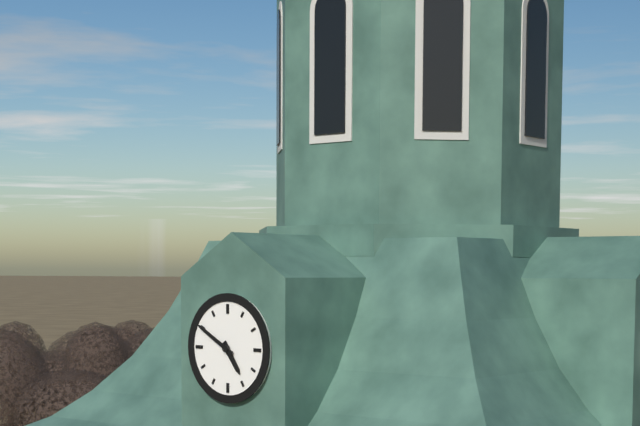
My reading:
4h50
